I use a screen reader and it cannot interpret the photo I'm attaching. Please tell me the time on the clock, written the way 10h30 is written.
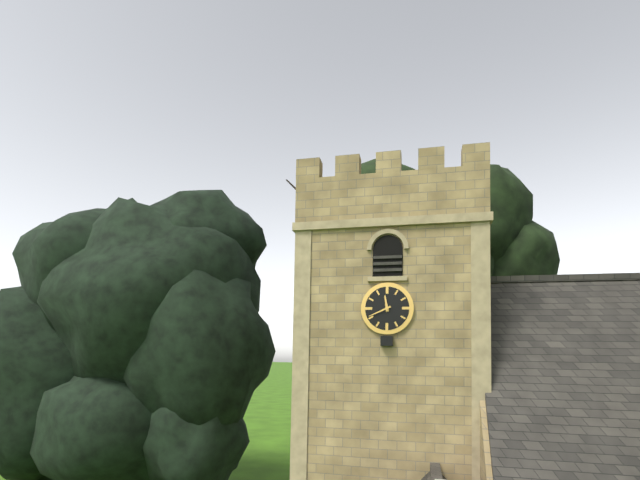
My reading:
11h41
